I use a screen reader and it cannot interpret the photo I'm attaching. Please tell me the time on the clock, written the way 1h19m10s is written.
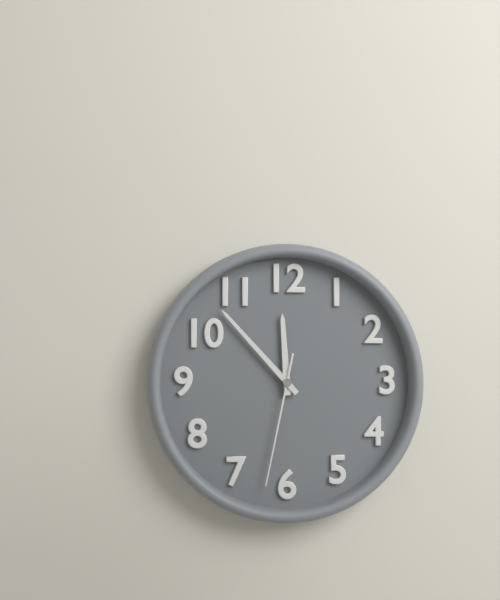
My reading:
11h53m32s
